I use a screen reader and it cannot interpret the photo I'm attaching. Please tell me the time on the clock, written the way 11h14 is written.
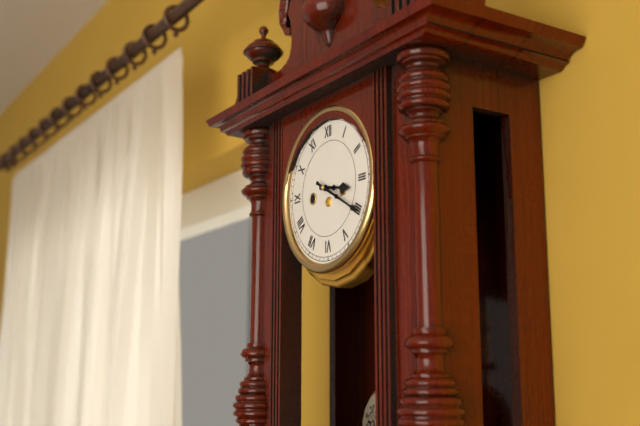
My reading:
3h20
